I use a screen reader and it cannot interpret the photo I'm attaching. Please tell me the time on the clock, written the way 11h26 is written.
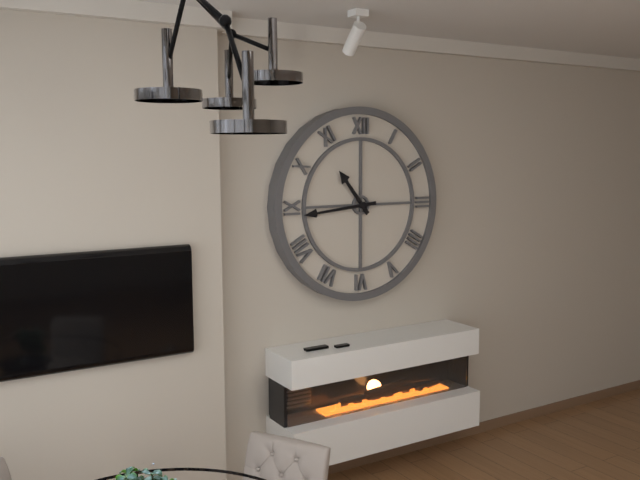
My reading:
10h44
